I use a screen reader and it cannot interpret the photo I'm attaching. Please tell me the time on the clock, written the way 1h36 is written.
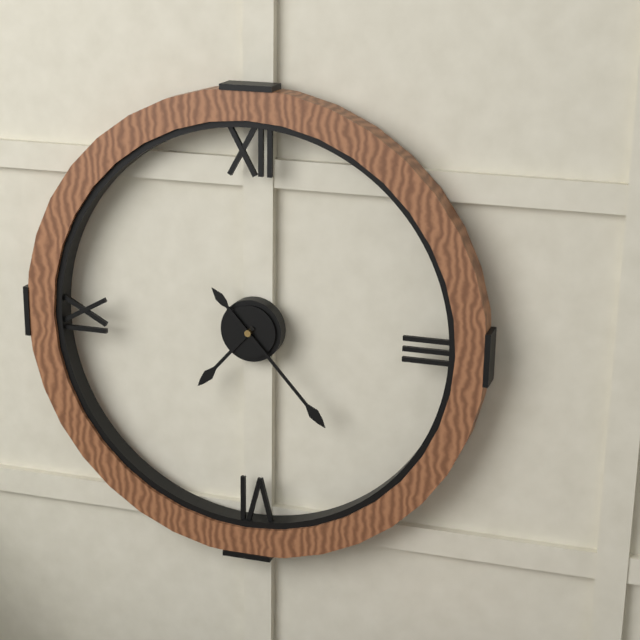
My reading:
7h23
